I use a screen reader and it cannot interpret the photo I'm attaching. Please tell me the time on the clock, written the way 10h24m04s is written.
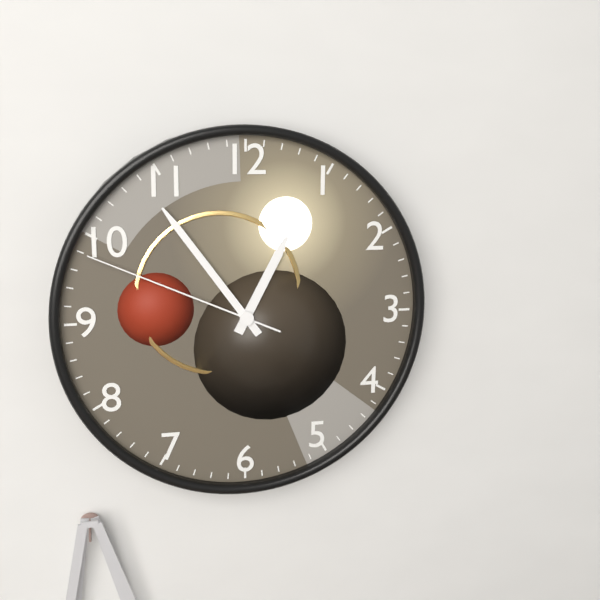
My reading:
12h54m49s
